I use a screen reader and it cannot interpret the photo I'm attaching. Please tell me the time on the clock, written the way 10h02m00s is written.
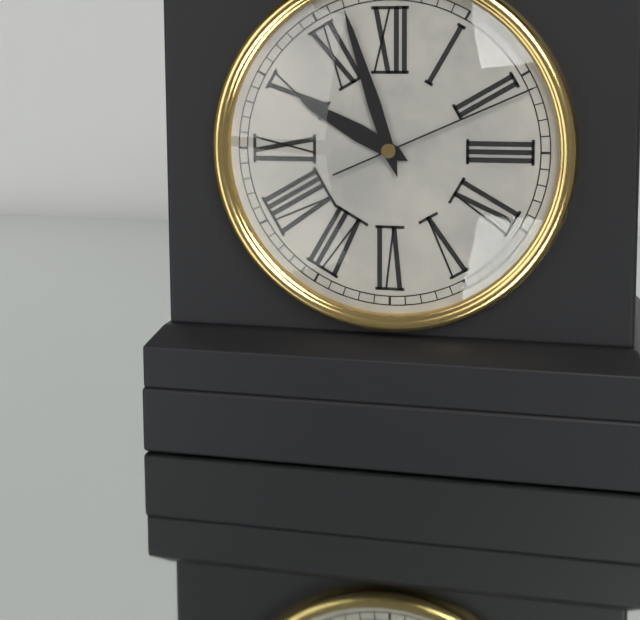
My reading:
9h57m11s
